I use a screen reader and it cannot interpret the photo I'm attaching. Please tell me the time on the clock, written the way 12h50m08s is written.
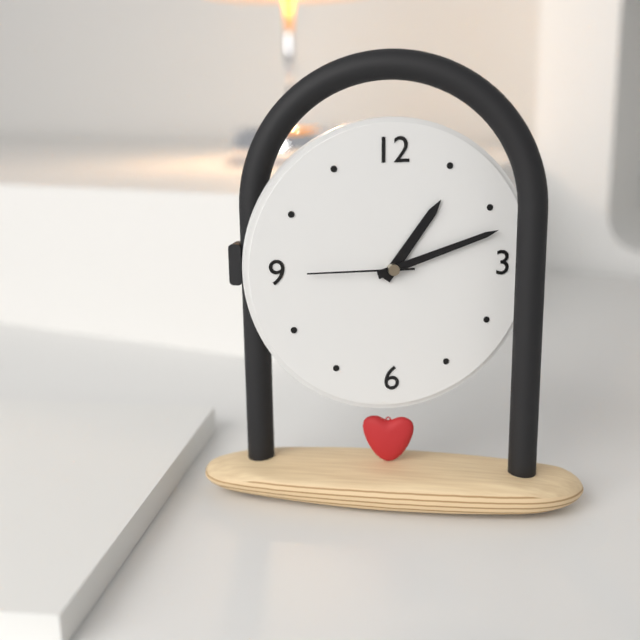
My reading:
1h12m45s
